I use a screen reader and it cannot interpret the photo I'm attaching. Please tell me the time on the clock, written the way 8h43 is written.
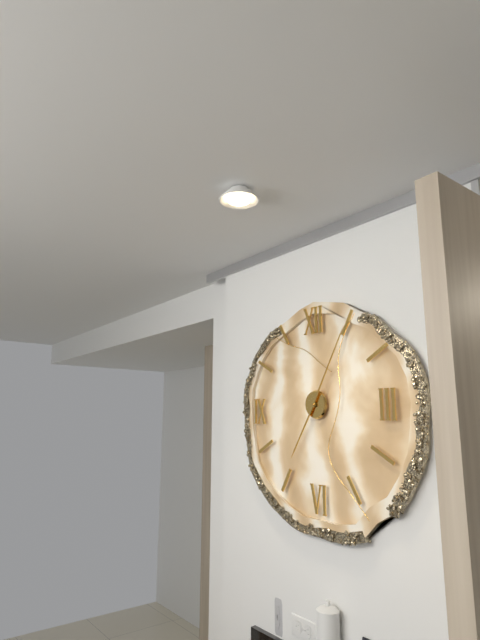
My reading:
7h05
